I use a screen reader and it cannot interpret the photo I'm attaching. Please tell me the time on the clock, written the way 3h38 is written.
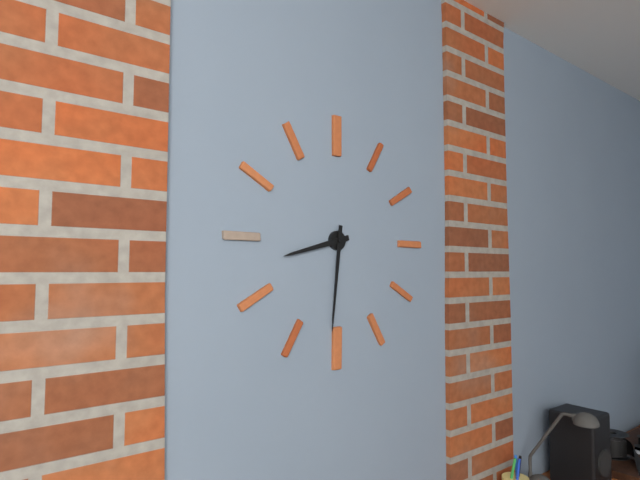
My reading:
8h31
